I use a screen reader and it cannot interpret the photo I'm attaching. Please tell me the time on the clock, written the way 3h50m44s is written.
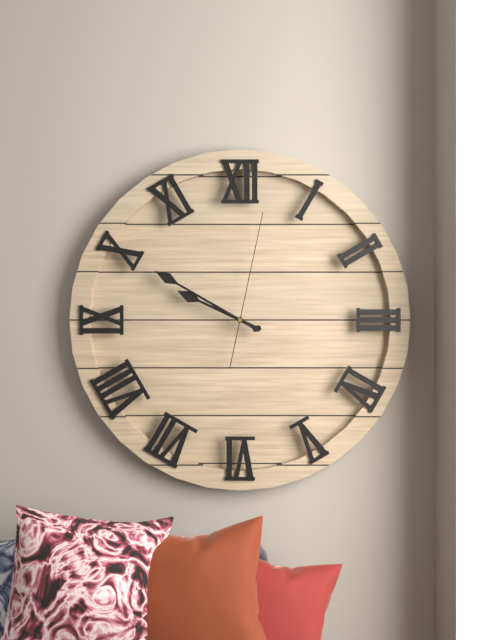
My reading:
9h50m02s
